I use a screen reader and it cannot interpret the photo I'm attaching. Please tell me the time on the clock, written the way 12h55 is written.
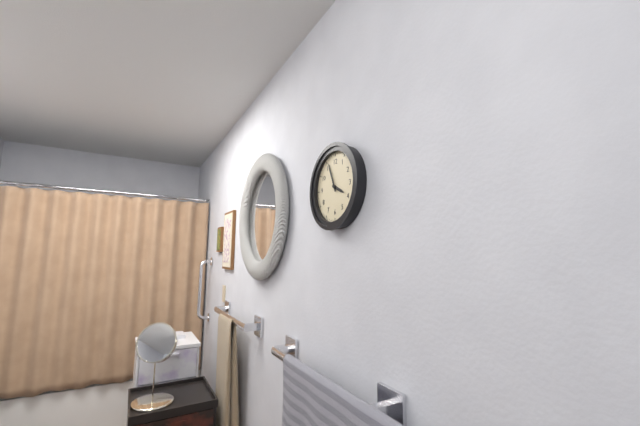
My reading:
3h56
